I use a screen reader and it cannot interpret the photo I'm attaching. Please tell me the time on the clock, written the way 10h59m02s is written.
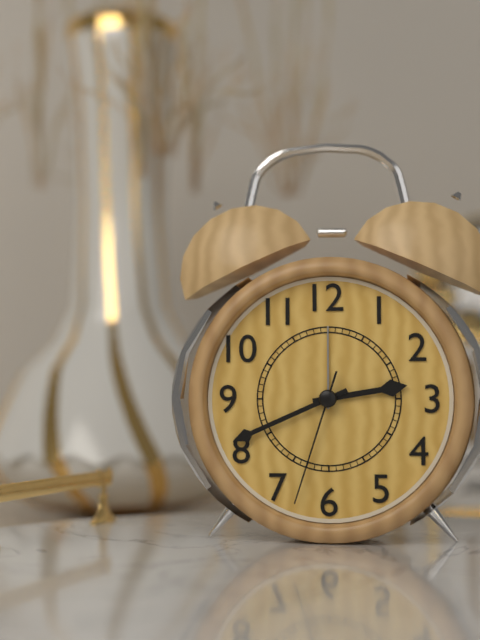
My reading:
2h41m33s
